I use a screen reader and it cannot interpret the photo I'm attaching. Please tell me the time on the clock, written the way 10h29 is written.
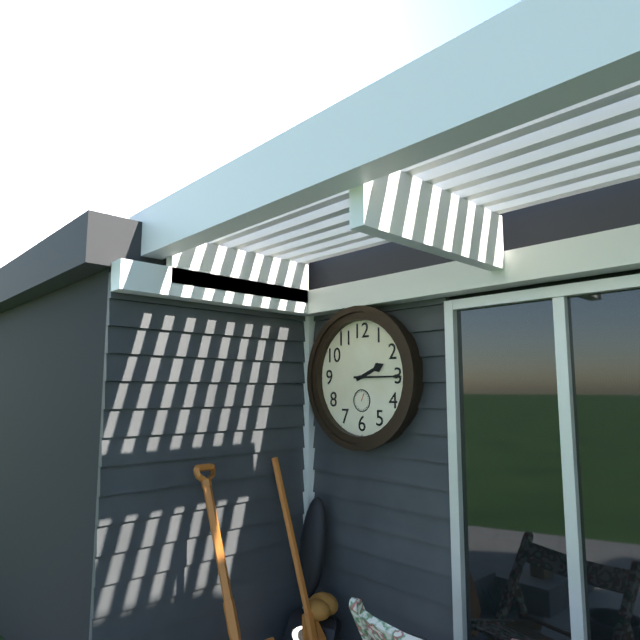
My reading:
2h15
